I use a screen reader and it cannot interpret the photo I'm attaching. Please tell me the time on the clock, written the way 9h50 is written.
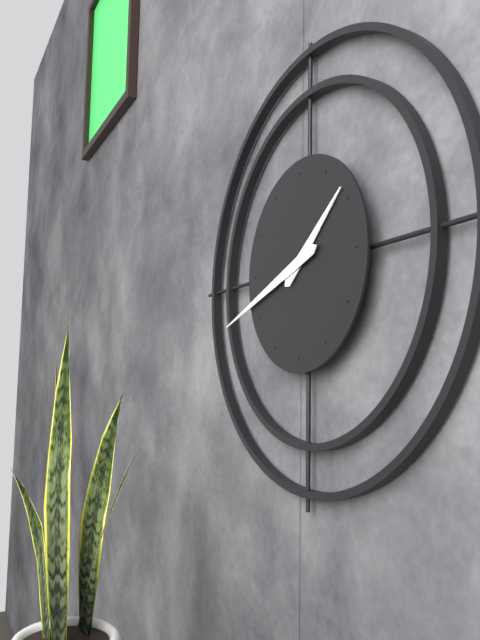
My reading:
1h42
